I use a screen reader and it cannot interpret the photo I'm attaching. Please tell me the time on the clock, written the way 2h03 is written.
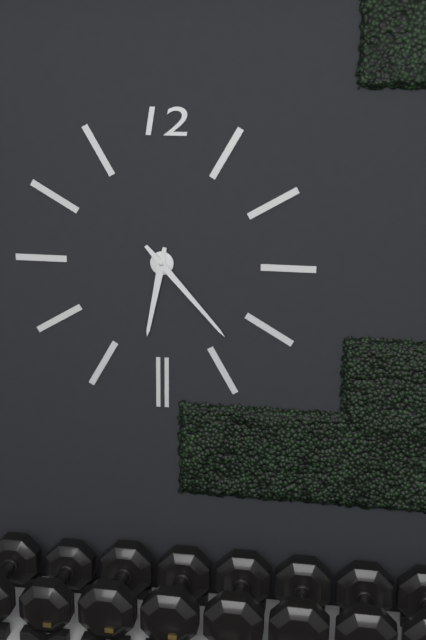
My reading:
6h23
